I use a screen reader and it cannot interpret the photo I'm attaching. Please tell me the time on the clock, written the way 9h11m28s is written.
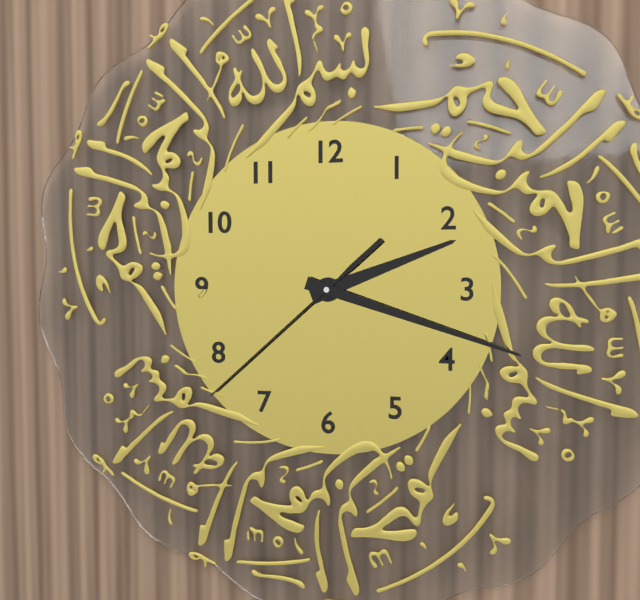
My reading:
2h18m38s
